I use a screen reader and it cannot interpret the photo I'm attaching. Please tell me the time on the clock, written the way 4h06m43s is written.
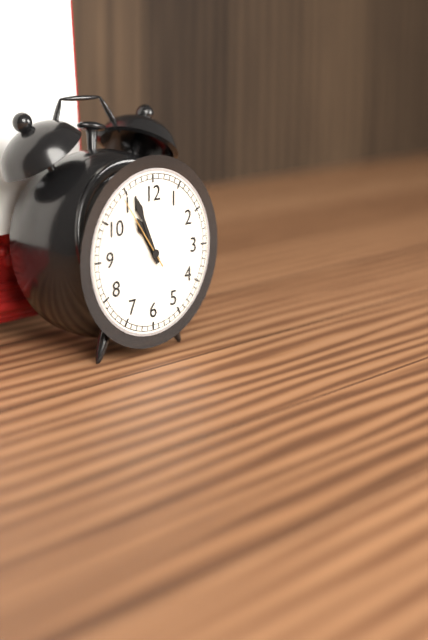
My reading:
10h56m54s
